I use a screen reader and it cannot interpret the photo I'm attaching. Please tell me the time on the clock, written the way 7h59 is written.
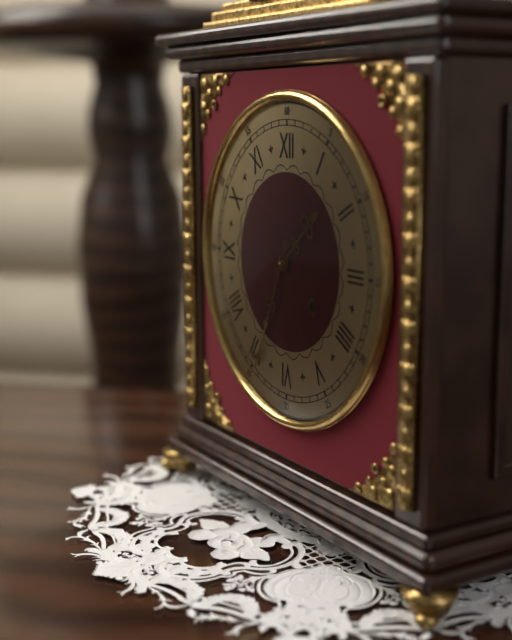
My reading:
1h34
